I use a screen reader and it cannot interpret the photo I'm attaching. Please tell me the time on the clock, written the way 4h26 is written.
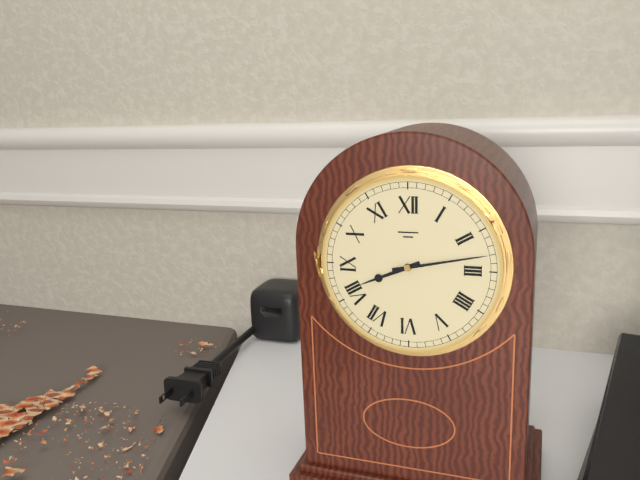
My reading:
8h13
